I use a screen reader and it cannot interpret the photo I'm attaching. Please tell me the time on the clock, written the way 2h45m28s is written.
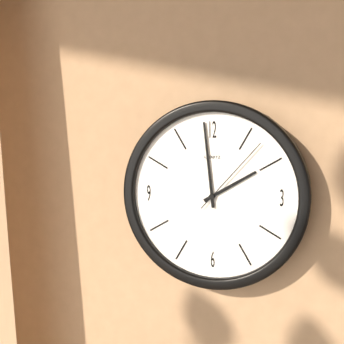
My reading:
1h59m07s
